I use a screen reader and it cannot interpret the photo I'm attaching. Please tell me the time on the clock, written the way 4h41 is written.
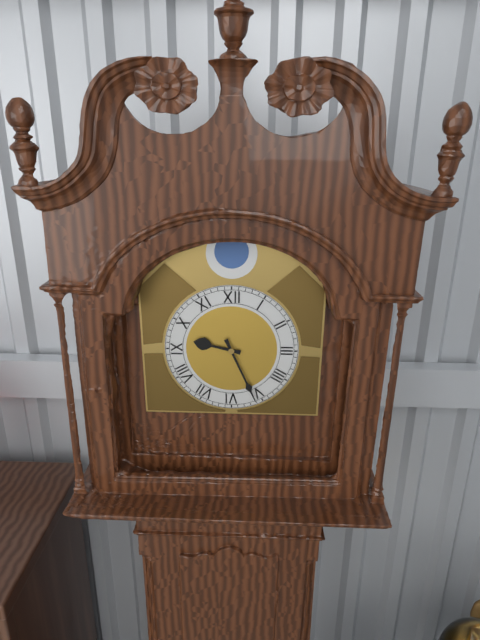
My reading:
9h26
